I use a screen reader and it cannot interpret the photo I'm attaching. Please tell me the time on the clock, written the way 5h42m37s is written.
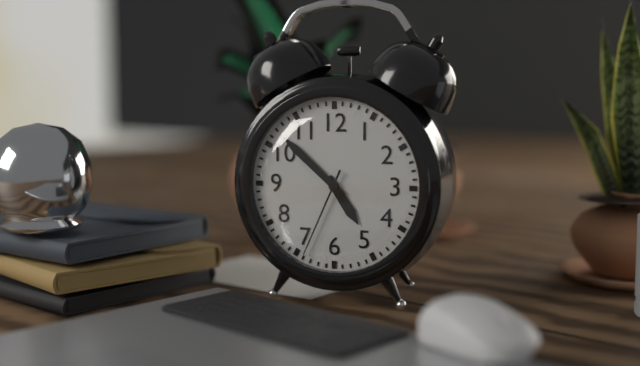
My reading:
4h52m34s
